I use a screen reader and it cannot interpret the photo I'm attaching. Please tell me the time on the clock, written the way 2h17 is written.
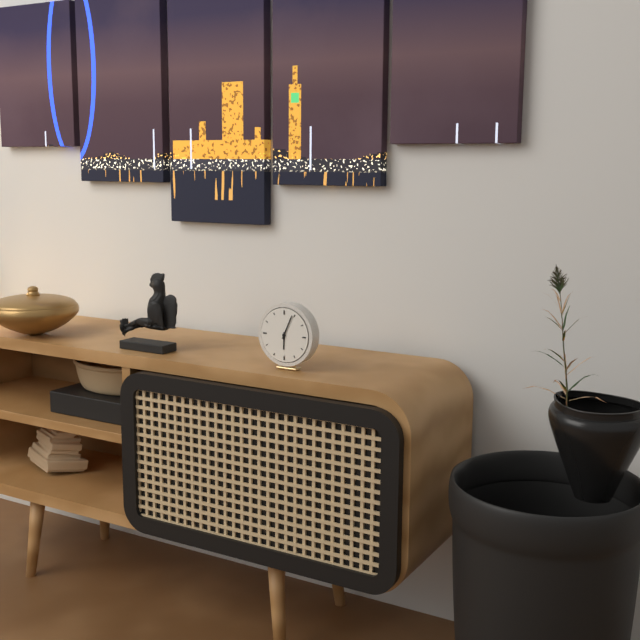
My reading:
6h04
